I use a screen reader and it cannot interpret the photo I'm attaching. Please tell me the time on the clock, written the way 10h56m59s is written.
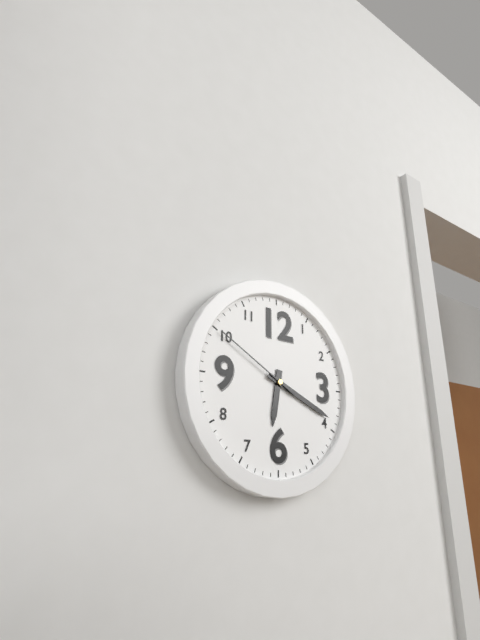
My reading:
6h19m50s
